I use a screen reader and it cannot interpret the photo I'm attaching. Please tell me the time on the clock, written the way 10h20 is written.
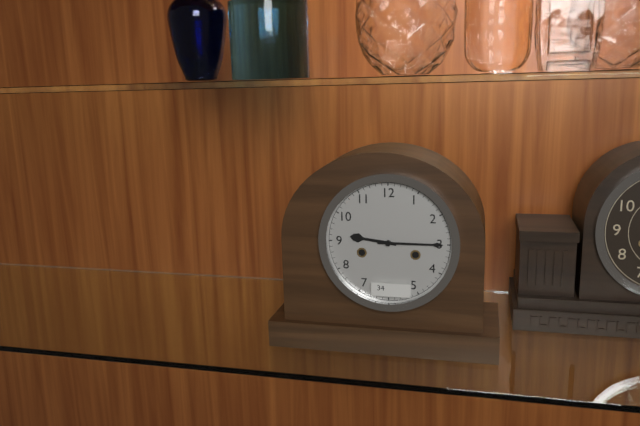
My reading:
9h15
